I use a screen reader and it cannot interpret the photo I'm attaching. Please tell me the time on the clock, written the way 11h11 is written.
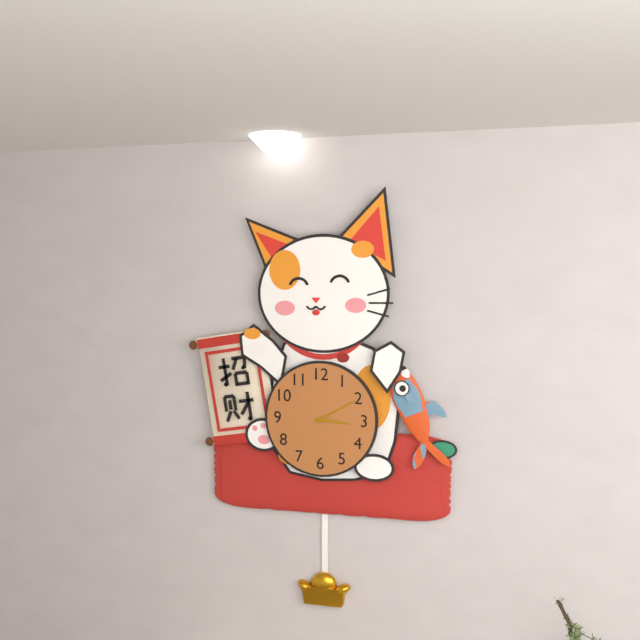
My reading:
3h10
